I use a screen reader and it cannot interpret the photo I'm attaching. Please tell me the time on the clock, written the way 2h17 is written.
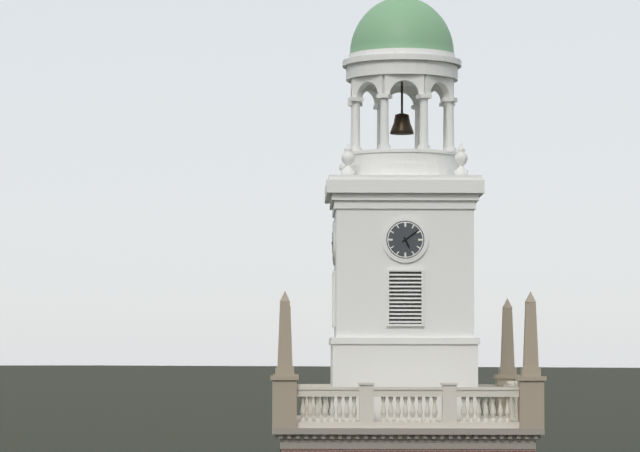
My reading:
5h09
